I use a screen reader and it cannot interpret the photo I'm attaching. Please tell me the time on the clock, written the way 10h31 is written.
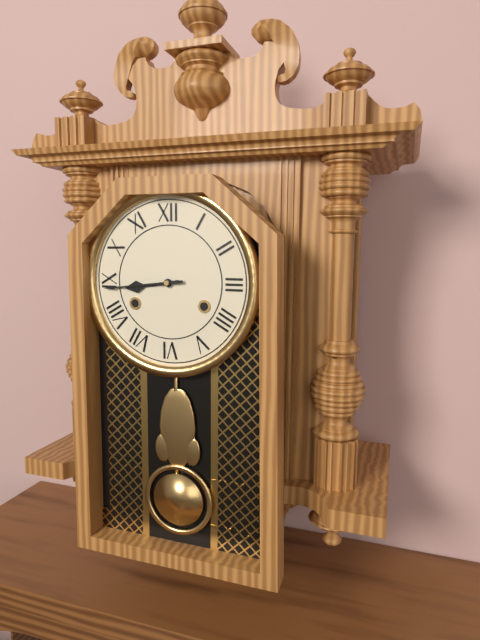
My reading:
8h44
